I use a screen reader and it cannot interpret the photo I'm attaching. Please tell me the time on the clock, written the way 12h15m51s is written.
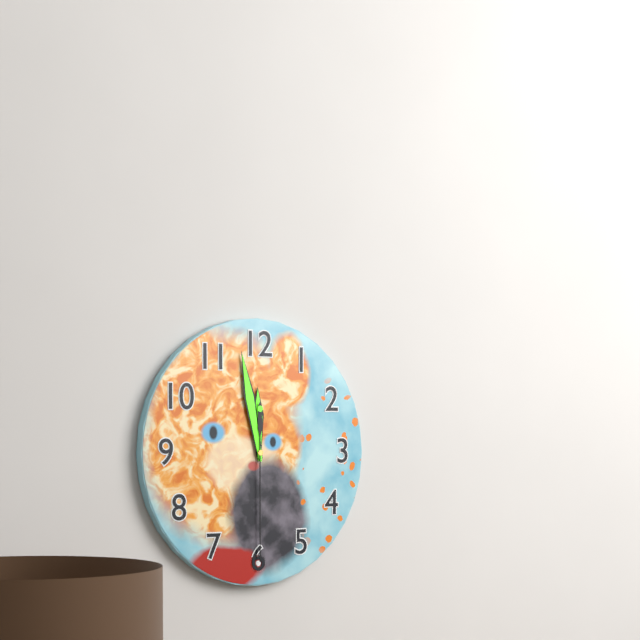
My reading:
11h58m30s
